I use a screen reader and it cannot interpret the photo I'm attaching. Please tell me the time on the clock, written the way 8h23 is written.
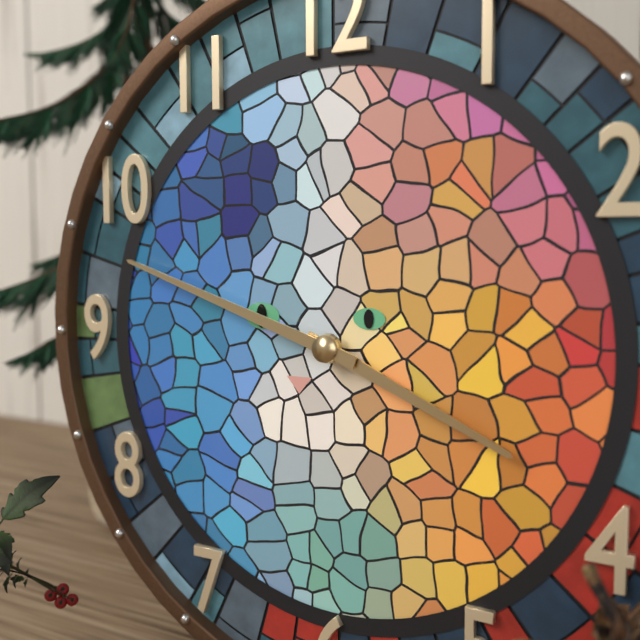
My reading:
3h48
